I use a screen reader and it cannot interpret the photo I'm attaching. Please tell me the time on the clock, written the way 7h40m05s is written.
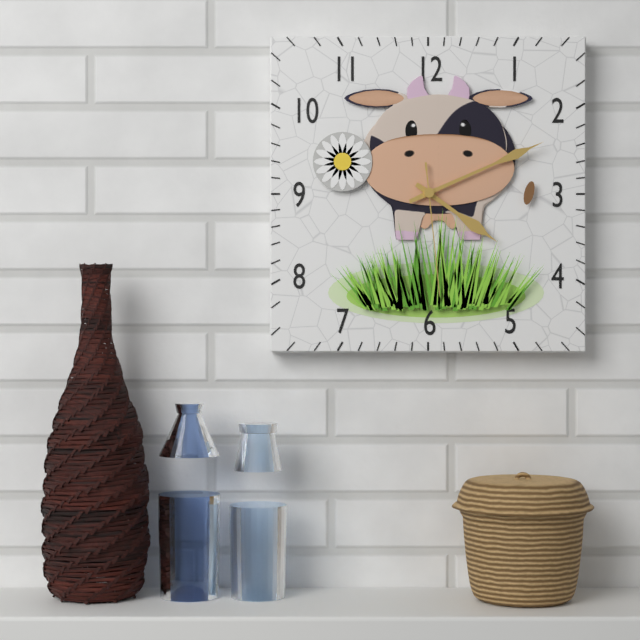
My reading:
4h11m29s
